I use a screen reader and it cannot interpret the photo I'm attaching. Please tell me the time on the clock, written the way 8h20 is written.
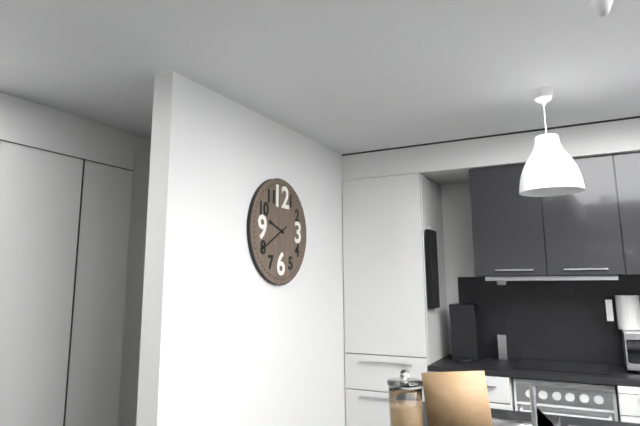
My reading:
9h40
